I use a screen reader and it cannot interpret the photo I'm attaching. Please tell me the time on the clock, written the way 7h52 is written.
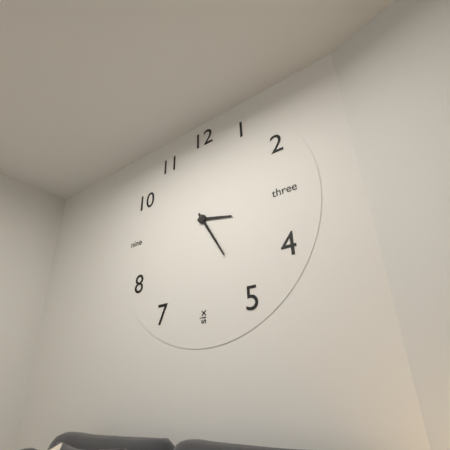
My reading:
3h25
